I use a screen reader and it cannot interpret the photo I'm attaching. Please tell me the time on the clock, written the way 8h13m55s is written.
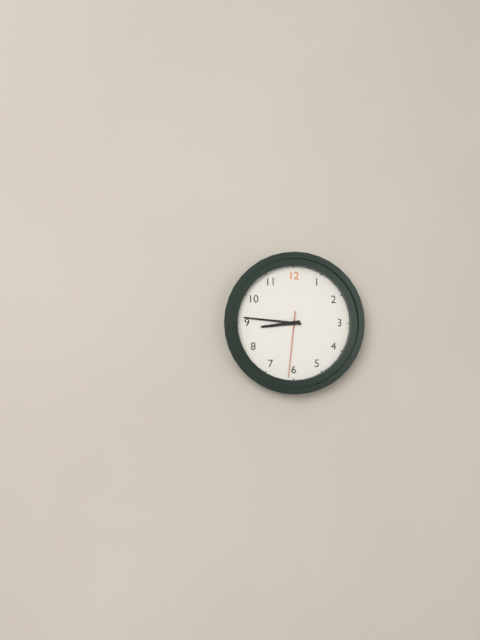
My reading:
8h46m31s
